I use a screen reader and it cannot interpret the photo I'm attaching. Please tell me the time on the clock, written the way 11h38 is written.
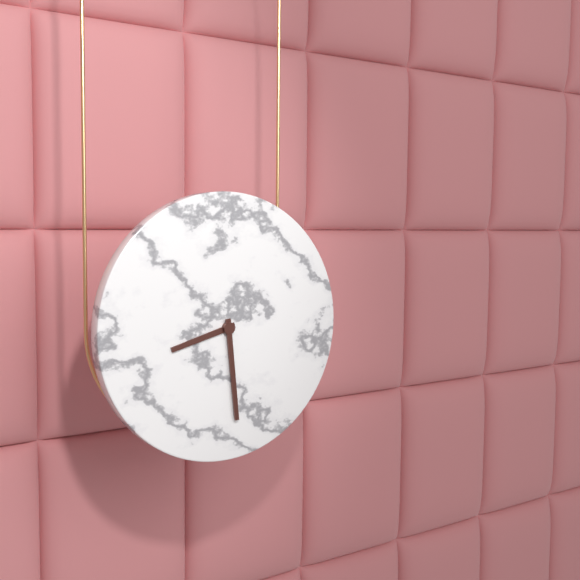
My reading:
8h29
